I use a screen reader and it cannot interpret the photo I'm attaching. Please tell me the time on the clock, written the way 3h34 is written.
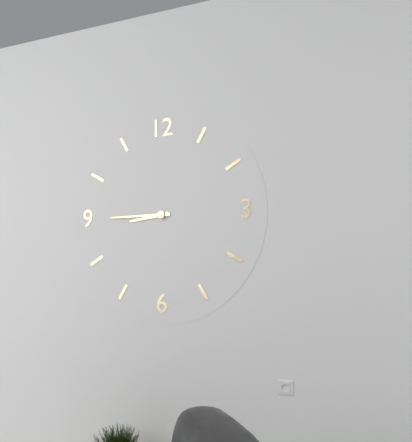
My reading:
8h45
